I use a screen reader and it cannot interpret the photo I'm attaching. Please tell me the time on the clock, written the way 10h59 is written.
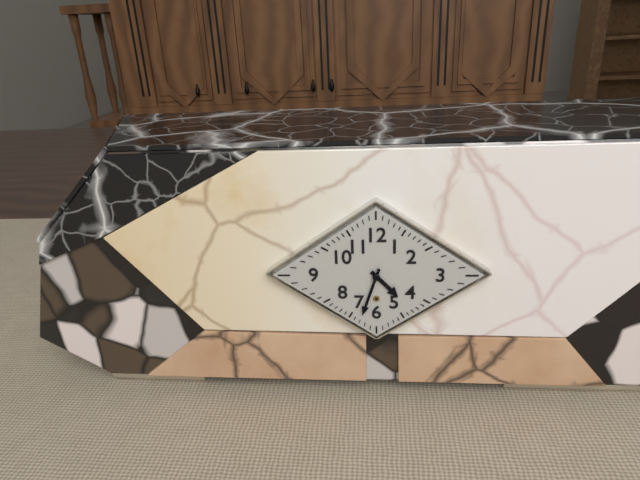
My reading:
4h33
